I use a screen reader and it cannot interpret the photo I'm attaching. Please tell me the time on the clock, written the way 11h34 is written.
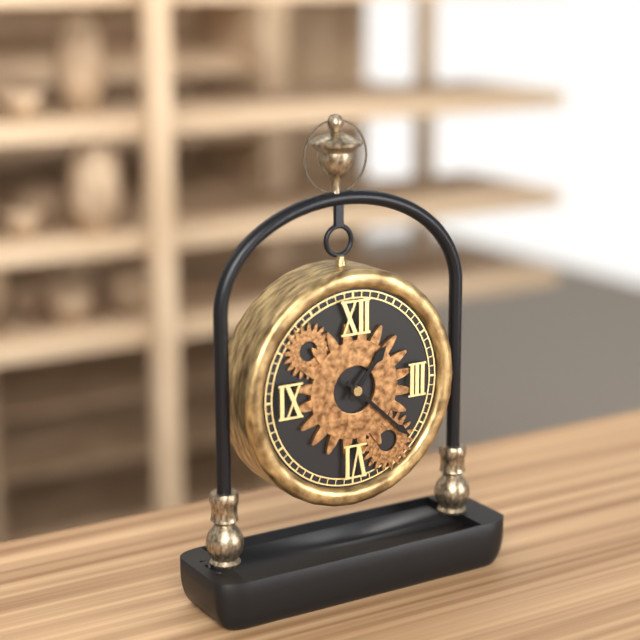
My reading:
1h22
